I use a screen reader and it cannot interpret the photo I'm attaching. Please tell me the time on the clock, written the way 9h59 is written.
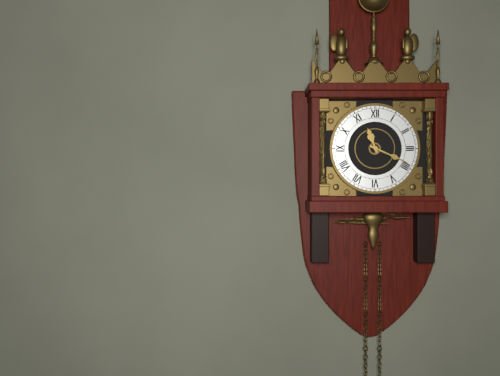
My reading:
11h19
